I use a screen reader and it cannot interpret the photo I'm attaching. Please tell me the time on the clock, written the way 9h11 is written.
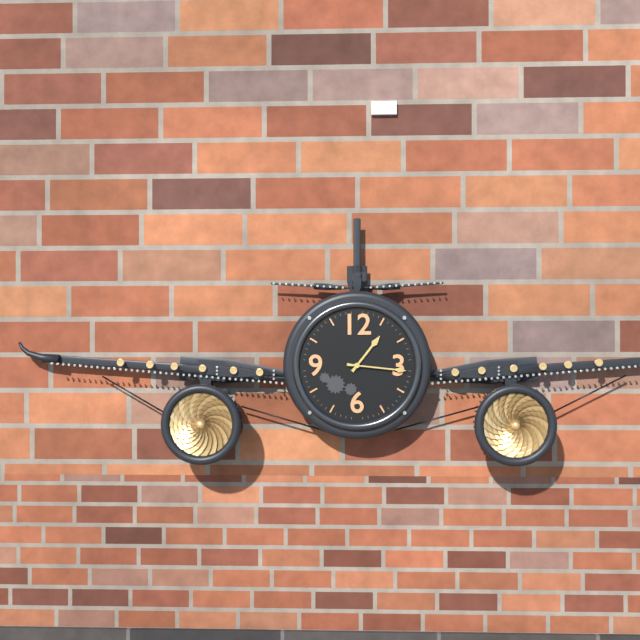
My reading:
1h16
